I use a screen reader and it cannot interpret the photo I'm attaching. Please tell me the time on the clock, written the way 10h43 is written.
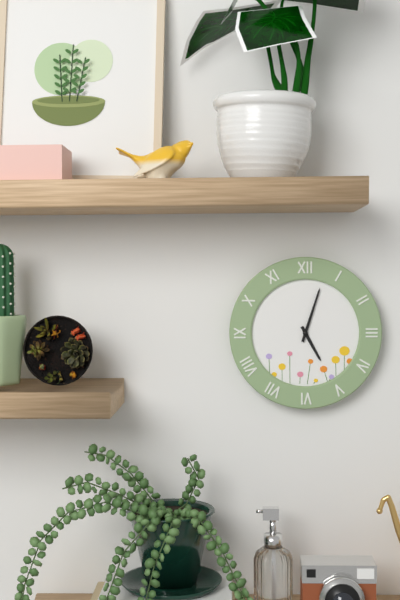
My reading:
5h03
